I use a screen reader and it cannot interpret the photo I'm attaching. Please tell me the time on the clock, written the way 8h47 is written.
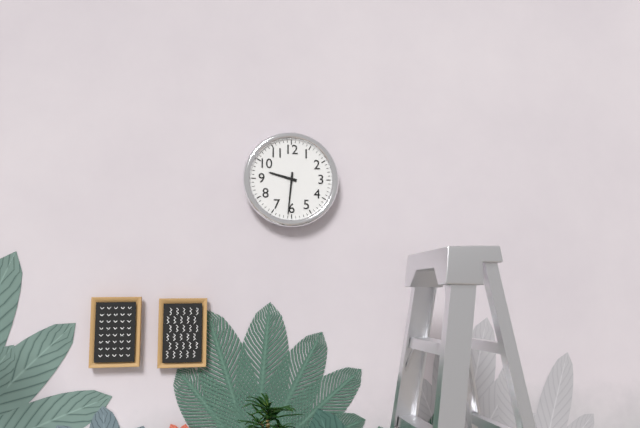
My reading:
9h31
